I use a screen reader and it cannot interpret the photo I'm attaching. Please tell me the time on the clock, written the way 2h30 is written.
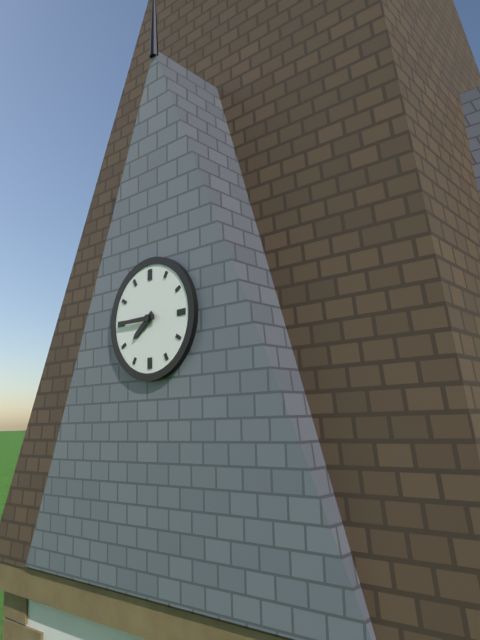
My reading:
7h45
